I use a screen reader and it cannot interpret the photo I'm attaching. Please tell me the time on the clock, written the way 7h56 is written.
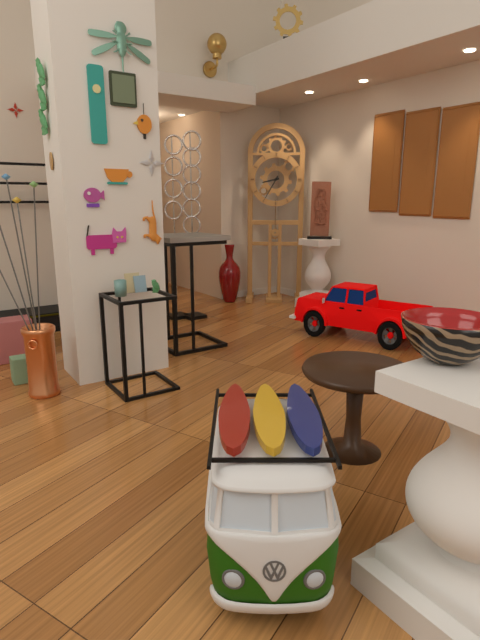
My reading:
8h35
